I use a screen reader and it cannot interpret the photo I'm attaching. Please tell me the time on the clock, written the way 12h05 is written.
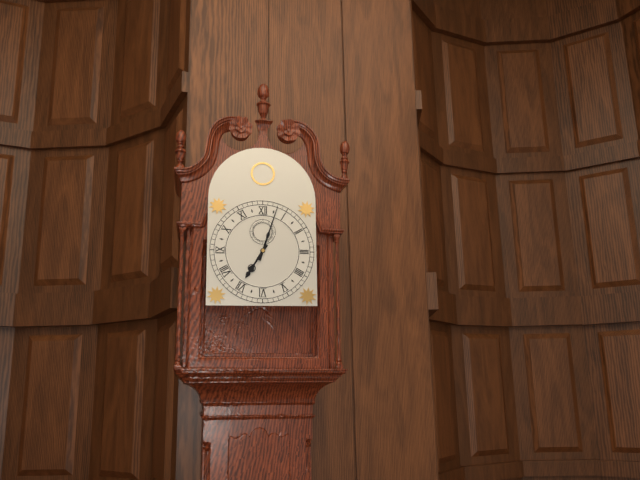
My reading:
7h03
